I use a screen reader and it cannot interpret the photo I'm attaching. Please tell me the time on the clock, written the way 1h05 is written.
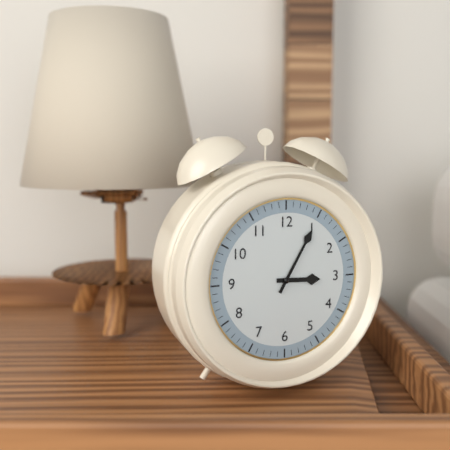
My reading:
3h05
